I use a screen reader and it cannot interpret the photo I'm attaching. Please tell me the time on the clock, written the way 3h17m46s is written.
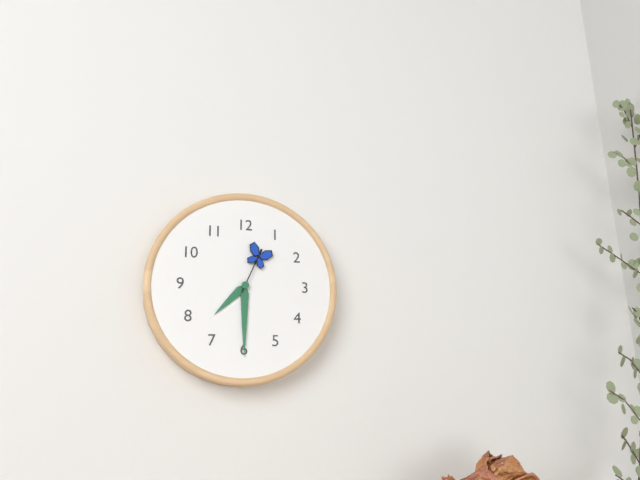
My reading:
7h30m04s
